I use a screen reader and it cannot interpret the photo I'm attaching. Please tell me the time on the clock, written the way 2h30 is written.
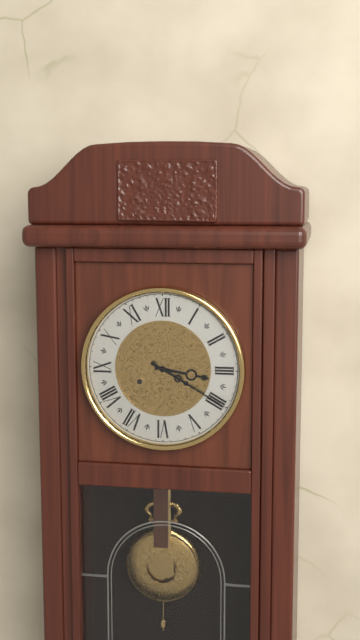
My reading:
3h20
